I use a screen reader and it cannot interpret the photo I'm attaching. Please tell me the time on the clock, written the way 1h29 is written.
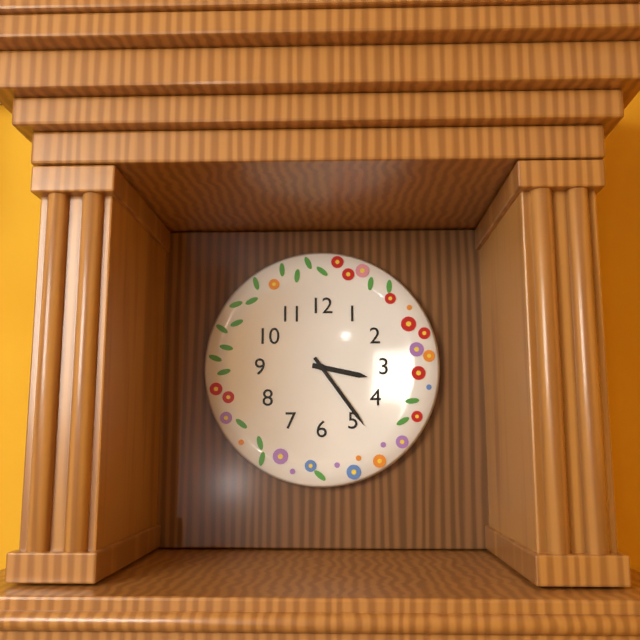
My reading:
3h24
